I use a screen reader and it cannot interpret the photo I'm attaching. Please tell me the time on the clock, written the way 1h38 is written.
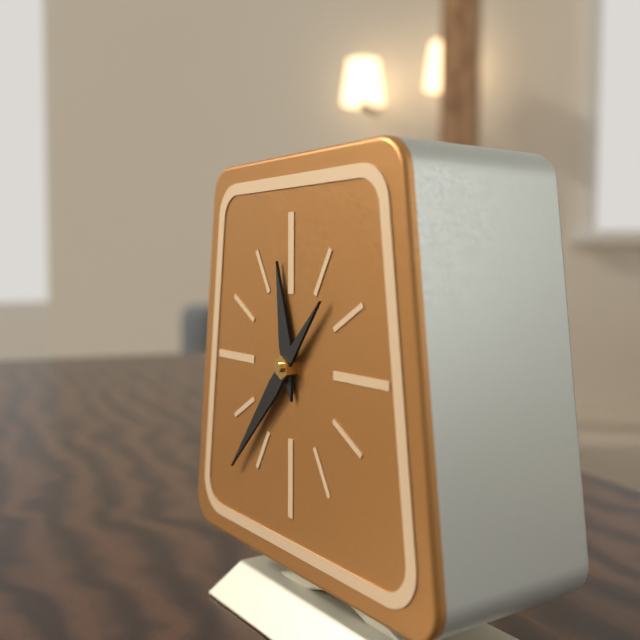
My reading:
11h37
